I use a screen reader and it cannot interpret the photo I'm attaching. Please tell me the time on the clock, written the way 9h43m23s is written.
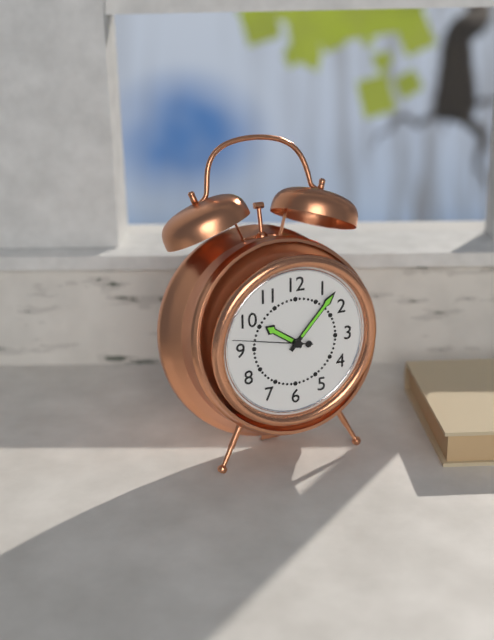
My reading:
10h07m47s
